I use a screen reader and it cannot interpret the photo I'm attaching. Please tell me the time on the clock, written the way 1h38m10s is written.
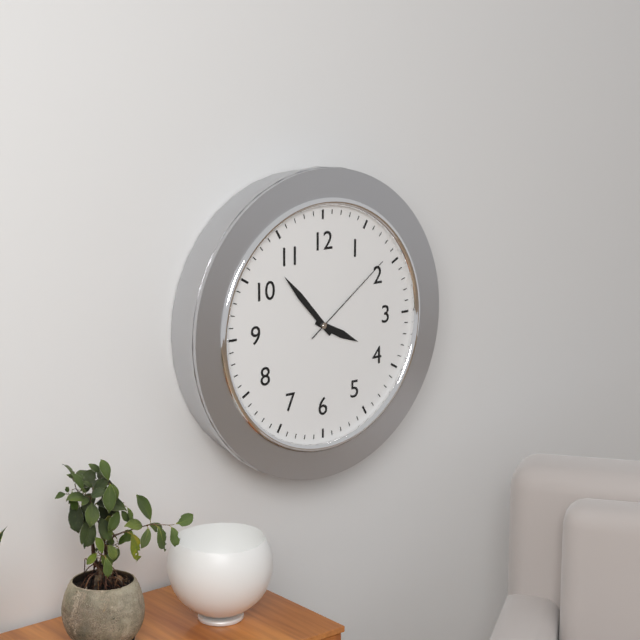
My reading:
3h53m09s
